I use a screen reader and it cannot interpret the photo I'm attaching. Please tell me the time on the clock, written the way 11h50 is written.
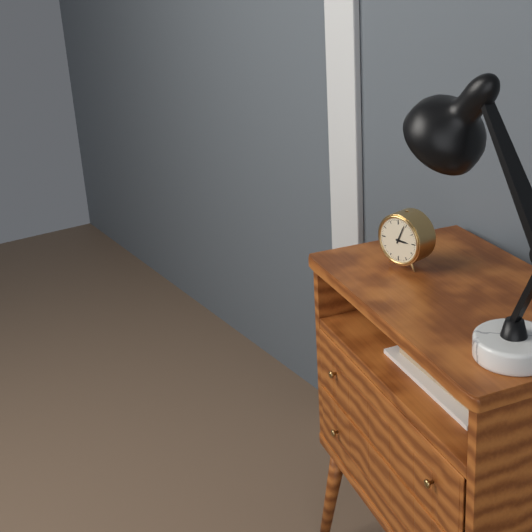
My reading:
3h04
